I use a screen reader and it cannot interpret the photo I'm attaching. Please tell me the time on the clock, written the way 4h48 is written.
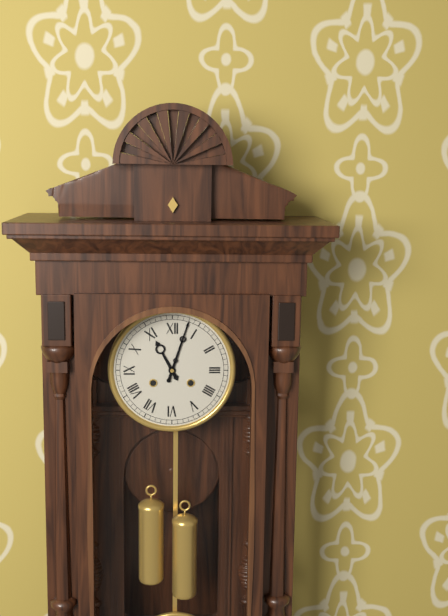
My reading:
11h03
